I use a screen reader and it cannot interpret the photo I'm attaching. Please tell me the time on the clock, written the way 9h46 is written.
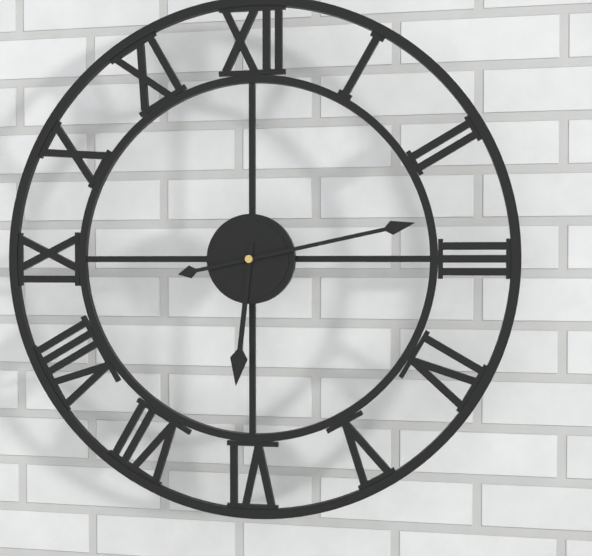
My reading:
6h13
